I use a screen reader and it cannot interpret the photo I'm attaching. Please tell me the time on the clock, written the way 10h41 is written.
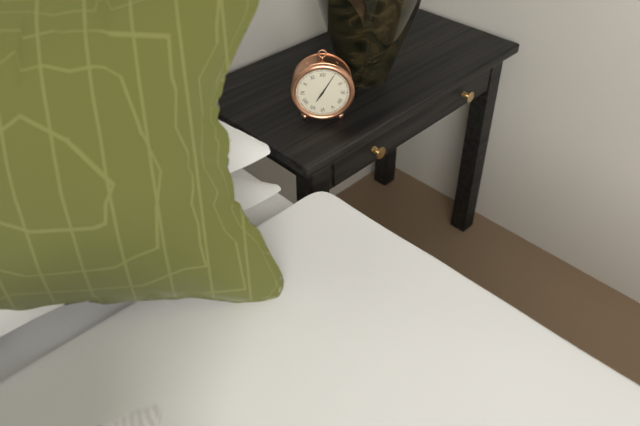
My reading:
7h05
